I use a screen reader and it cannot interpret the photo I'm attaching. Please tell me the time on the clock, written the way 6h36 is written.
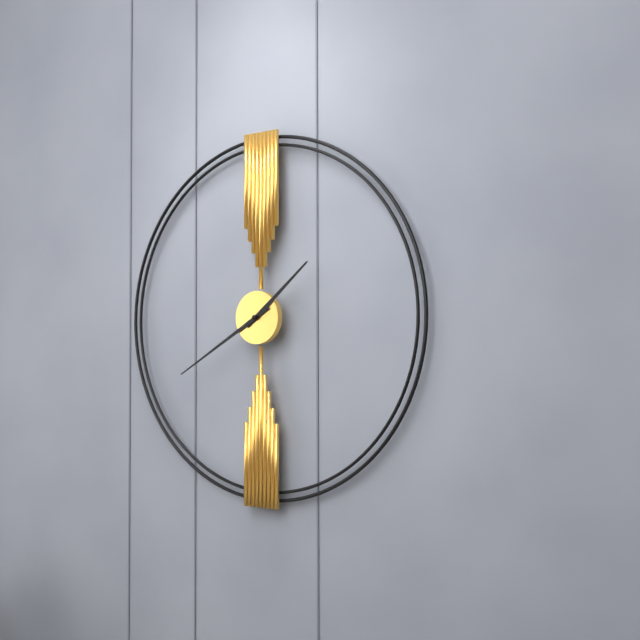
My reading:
1h40
